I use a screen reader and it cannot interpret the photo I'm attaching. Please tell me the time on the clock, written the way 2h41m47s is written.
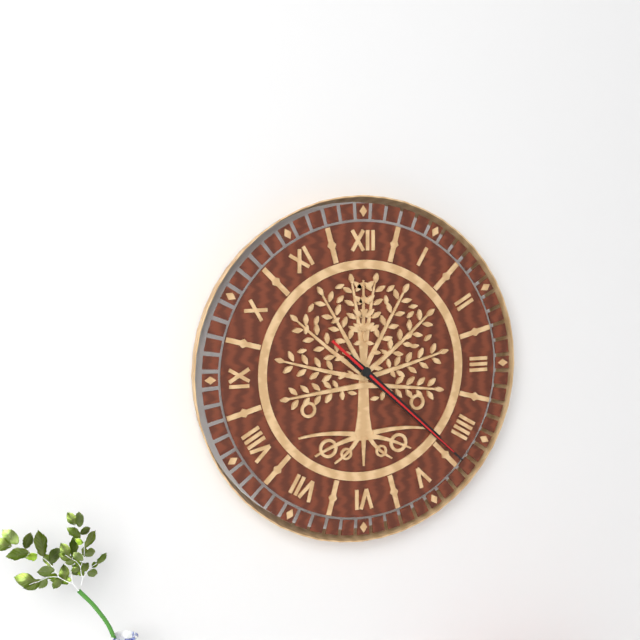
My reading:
4h22m22s
